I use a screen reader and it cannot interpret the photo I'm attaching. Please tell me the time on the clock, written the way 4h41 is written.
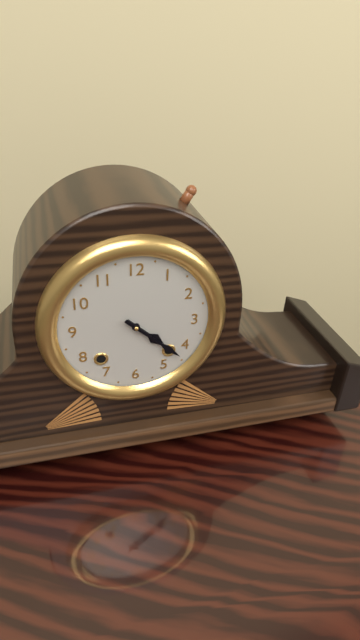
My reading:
4h22
